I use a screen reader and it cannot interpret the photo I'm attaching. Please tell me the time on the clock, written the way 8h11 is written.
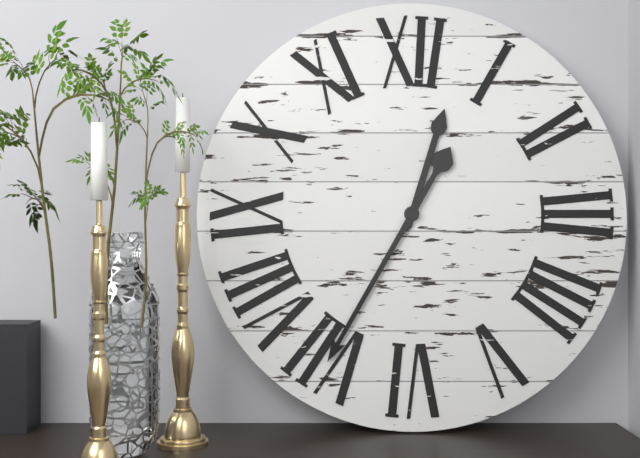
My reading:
12h35
